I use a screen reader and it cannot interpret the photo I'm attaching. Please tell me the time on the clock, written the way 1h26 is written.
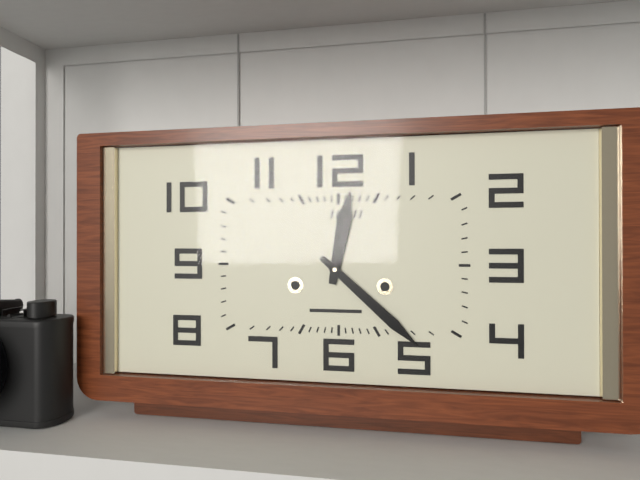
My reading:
12h22
